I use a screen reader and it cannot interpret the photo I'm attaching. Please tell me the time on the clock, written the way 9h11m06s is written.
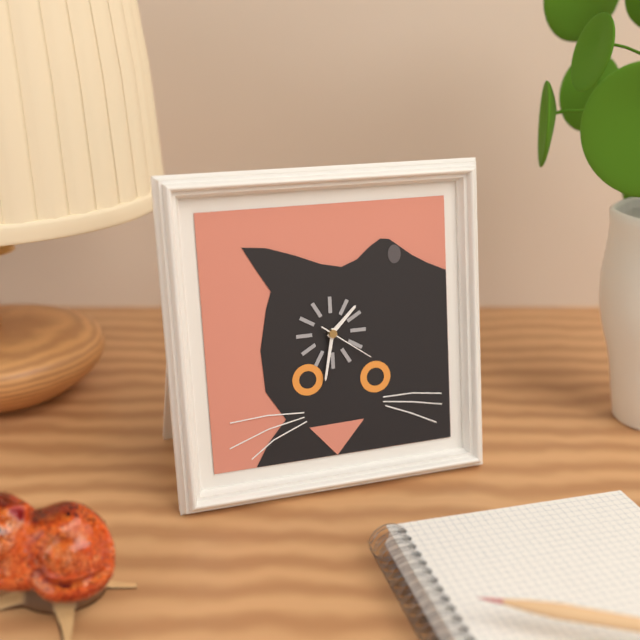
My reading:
1h32m21s
